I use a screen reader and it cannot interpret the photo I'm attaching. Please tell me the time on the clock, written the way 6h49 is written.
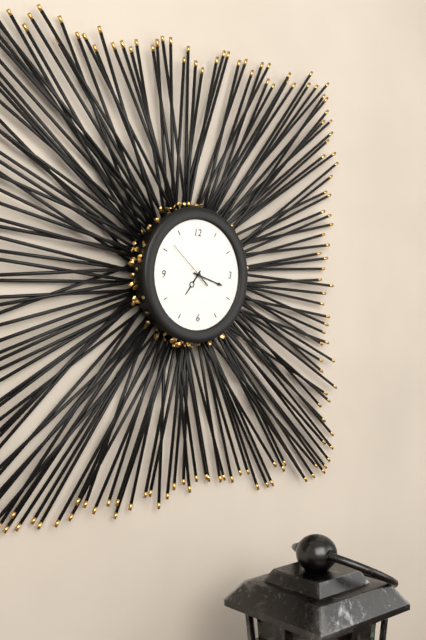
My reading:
7h18
